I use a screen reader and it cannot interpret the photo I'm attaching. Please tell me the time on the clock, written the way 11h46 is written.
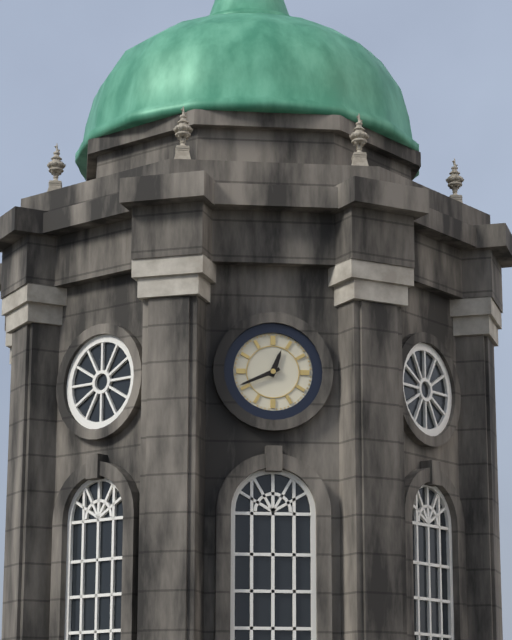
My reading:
12h41
